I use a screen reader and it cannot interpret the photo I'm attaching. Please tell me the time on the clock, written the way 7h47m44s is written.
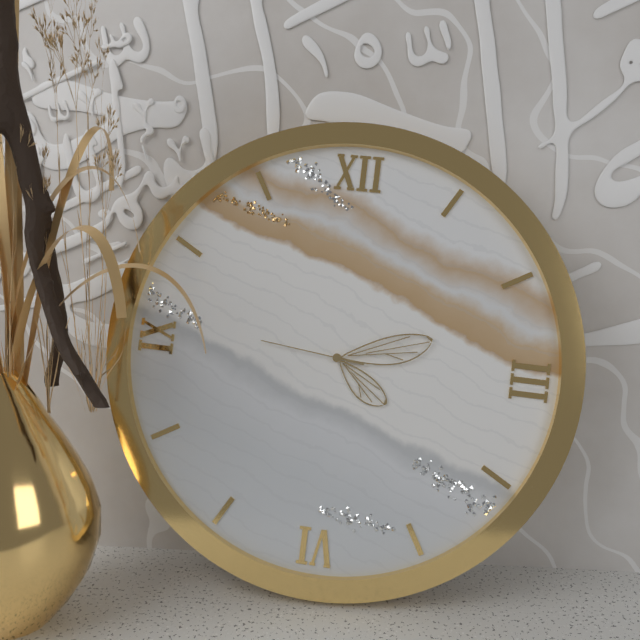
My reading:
4h12m46s
